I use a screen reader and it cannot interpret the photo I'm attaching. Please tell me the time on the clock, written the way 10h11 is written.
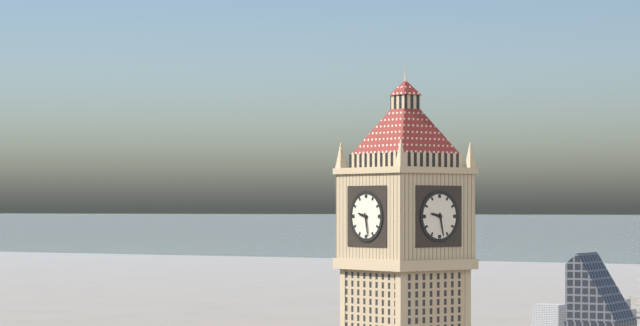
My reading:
9h28
